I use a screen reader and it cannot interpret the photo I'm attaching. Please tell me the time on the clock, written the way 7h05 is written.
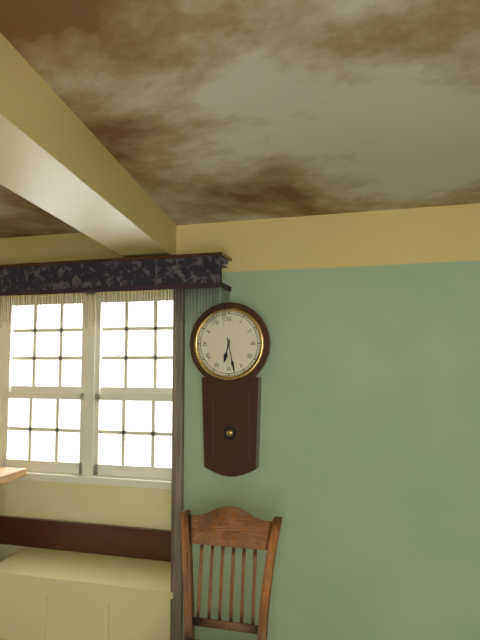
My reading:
6h28
